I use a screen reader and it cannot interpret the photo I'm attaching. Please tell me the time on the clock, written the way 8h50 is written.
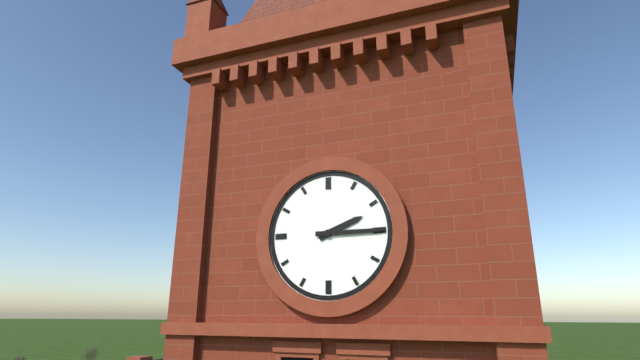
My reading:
2h15
